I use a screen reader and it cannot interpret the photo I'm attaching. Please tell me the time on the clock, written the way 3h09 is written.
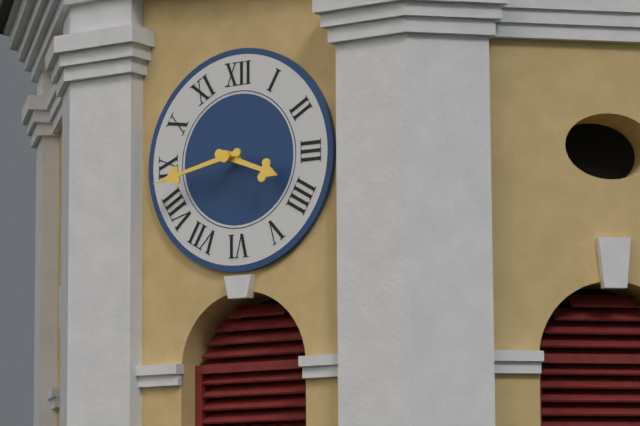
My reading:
3h43
